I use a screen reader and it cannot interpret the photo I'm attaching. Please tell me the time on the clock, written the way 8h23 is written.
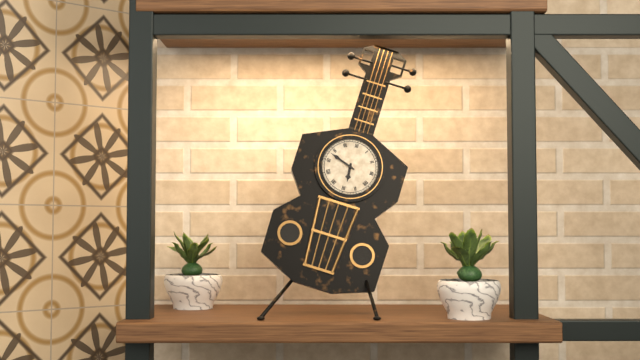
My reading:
5h48
